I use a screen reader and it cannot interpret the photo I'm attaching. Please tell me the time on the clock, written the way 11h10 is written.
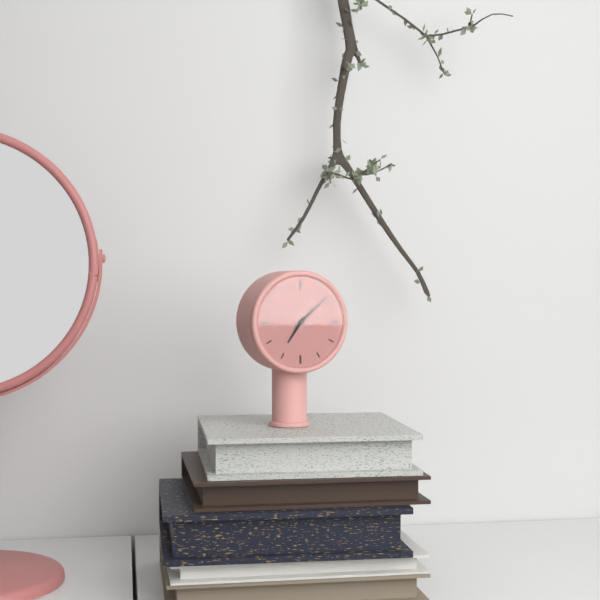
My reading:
7h08
